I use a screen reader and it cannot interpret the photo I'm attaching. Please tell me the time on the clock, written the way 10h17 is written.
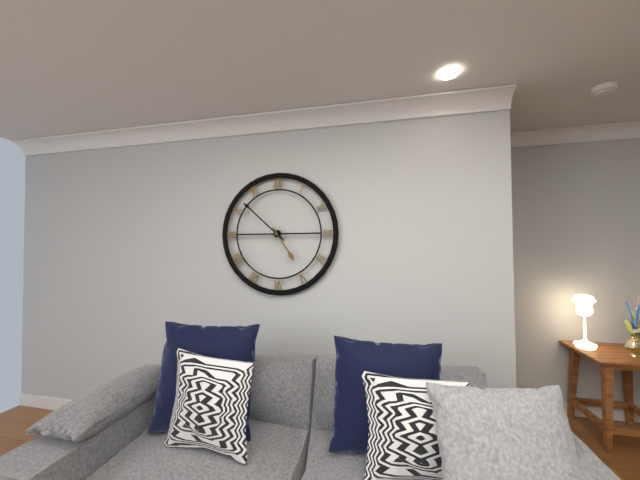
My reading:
4h52
